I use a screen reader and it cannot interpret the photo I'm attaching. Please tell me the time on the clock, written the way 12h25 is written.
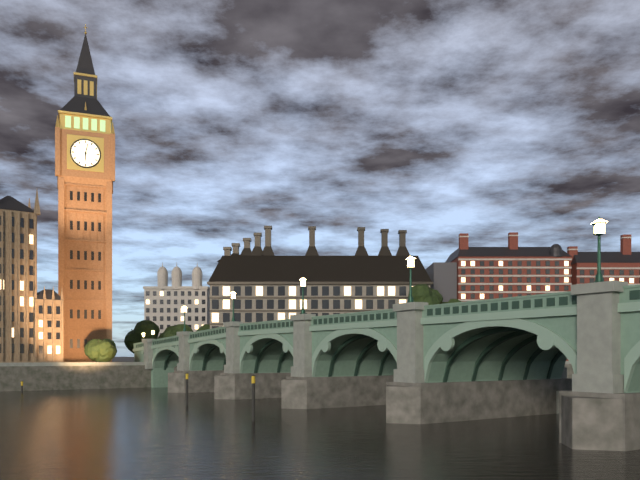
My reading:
6h02
